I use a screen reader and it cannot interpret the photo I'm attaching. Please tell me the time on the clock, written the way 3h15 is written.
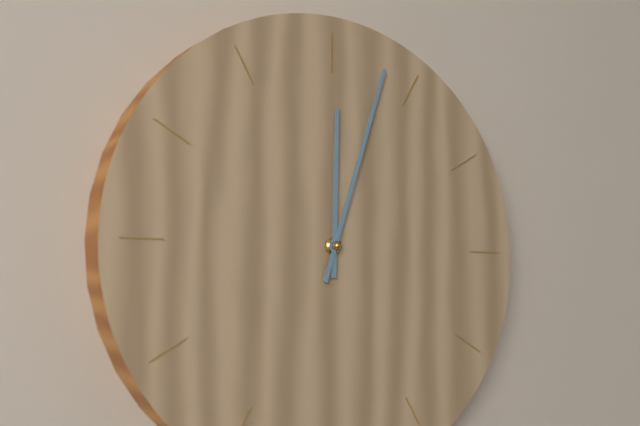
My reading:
12h03
